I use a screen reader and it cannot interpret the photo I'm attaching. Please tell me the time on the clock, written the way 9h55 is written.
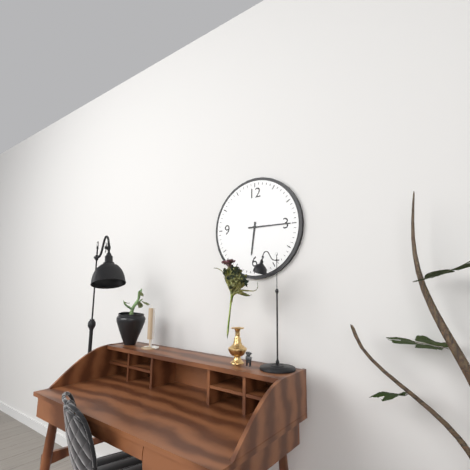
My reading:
6h15
